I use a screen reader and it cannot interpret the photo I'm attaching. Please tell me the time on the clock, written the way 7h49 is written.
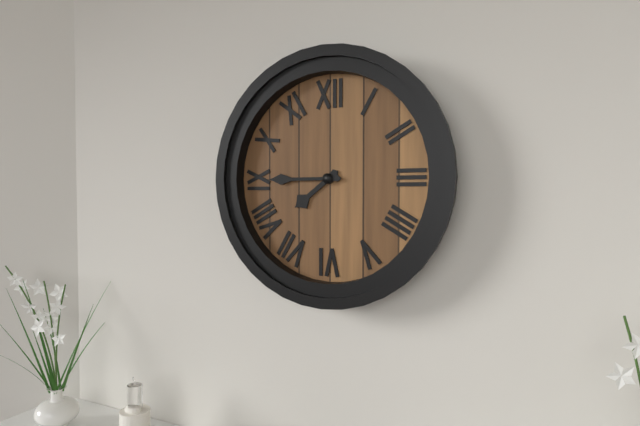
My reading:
7h45
